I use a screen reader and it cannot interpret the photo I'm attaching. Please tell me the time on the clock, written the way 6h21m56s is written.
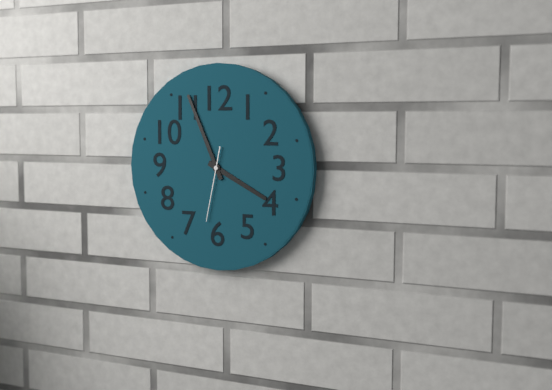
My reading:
3h56m32s
